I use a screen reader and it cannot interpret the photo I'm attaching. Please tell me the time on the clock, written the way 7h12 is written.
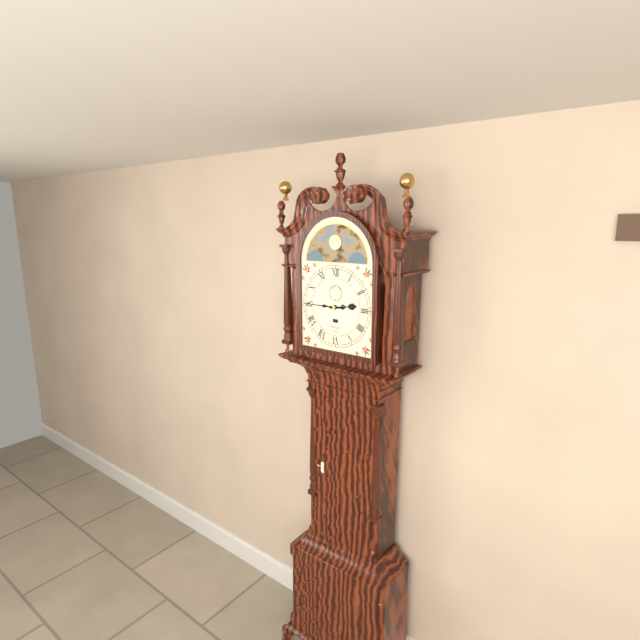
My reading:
2h45
